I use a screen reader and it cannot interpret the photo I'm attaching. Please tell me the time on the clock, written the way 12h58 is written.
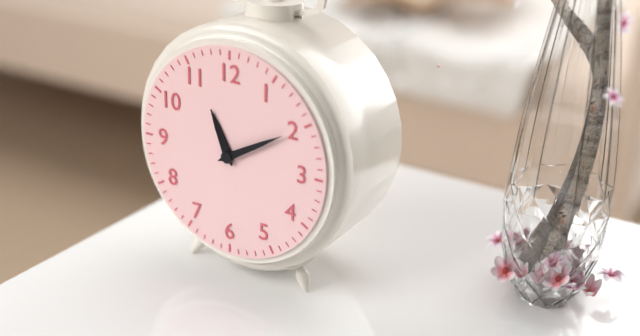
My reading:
11h10
